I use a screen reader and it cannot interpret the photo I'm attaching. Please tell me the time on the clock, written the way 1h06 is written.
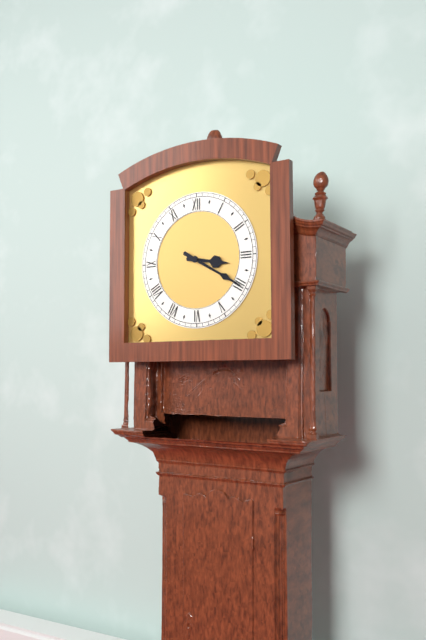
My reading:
3h20
